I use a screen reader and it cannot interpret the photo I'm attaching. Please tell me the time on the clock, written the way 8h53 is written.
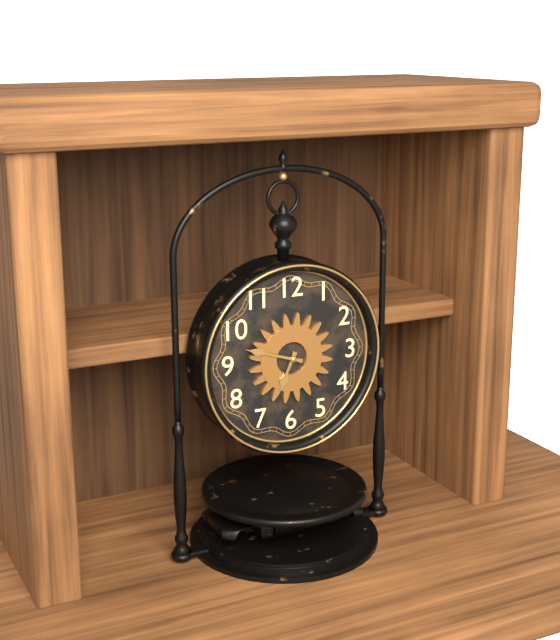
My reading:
6h48
